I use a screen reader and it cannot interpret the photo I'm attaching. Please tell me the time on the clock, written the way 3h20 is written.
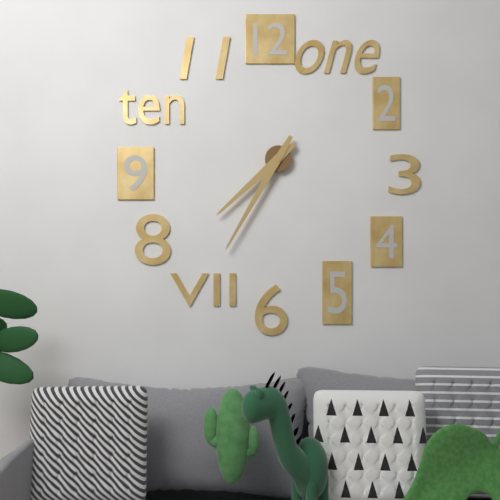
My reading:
7h35
